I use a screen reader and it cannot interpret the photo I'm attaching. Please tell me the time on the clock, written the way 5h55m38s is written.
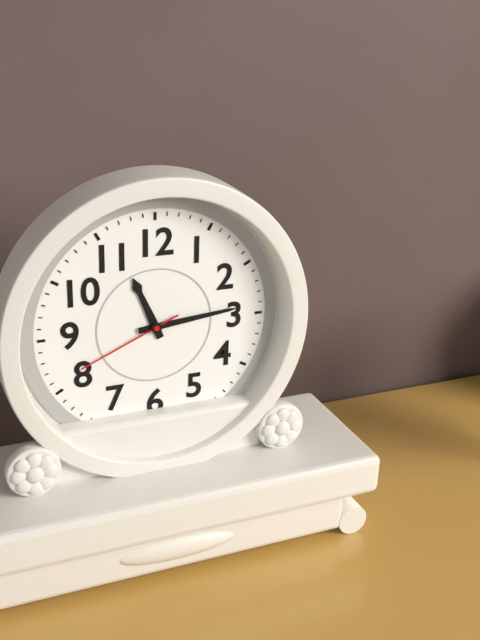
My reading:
11h14m41s
